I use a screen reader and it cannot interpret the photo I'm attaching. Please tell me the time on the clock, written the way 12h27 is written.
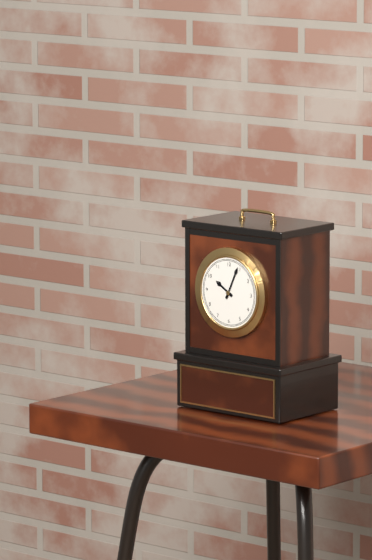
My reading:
10h04
